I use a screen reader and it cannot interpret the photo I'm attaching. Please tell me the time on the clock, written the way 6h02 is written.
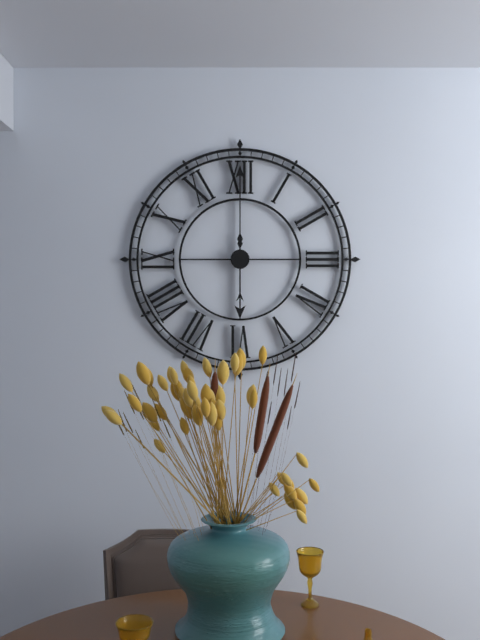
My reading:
6h00
